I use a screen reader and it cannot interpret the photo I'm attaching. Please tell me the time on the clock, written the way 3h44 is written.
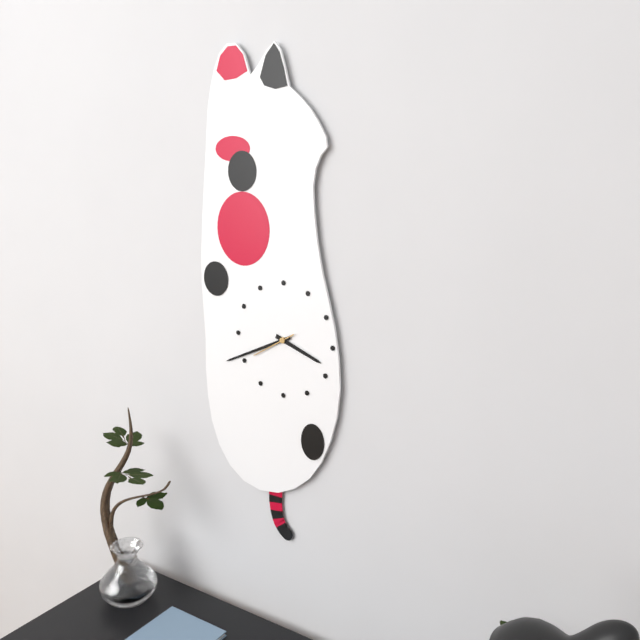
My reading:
3h41
